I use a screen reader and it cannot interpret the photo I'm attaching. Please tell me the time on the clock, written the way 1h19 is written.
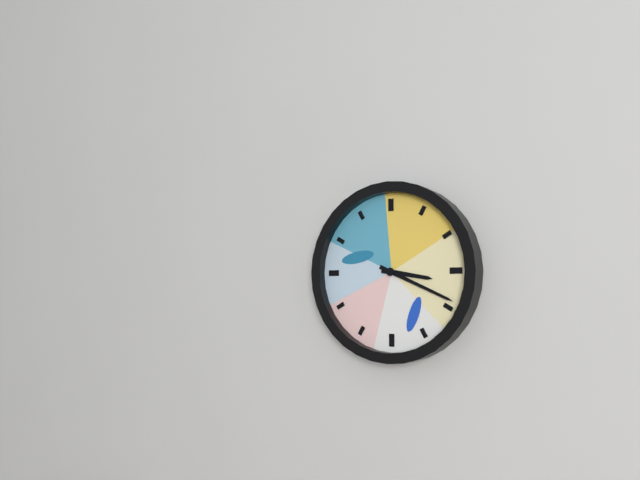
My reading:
3h19
